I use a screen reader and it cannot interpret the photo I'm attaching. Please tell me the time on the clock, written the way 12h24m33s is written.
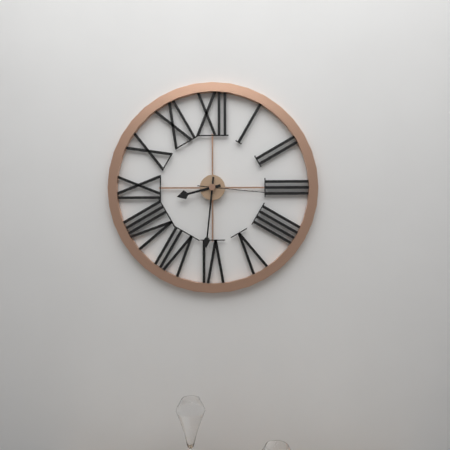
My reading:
8h31m16s
